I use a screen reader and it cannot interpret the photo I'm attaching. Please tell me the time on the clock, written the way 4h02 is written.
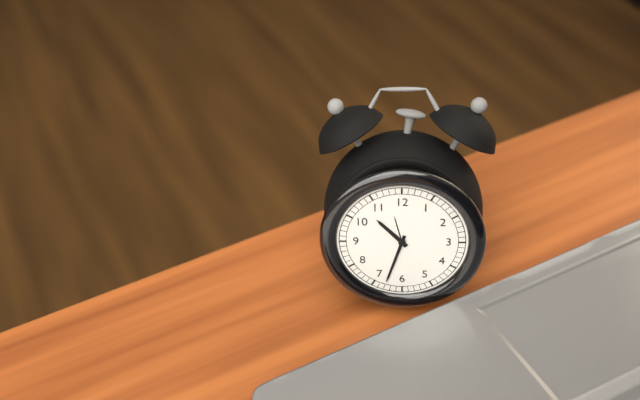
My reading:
10h33
